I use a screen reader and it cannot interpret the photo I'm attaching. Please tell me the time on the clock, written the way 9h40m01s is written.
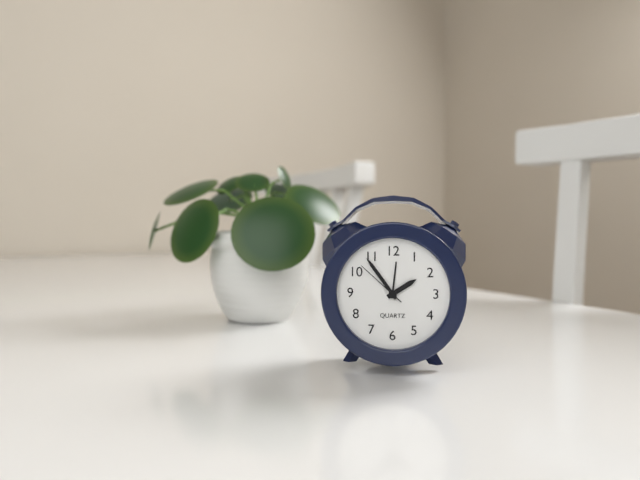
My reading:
1h54m52s
